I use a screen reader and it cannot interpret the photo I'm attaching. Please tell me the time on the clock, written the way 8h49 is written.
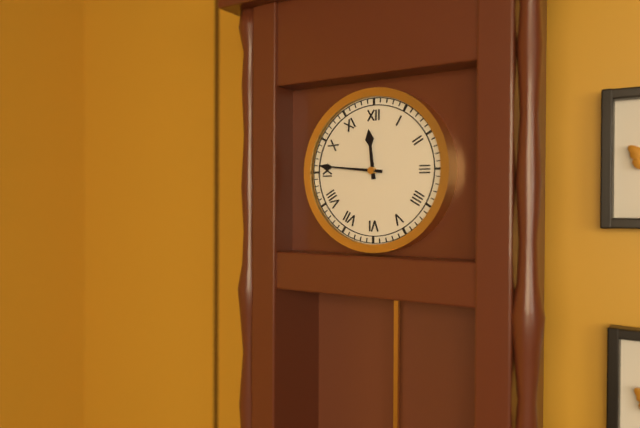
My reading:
11h46
